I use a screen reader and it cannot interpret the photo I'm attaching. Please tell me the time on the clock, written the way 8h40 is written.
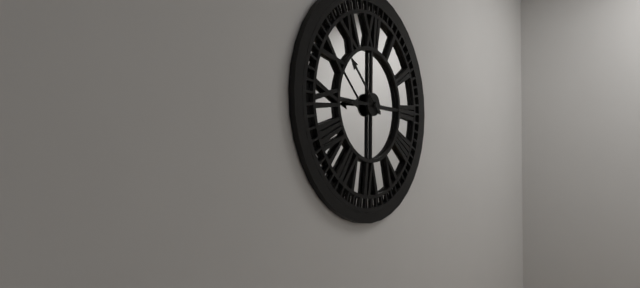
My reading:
8h52
